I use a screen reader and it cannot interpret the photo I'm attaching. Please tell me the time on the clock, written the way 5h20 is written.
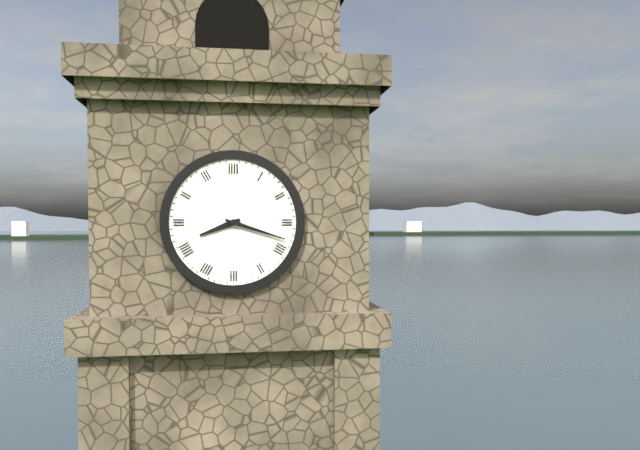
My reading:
8h18
